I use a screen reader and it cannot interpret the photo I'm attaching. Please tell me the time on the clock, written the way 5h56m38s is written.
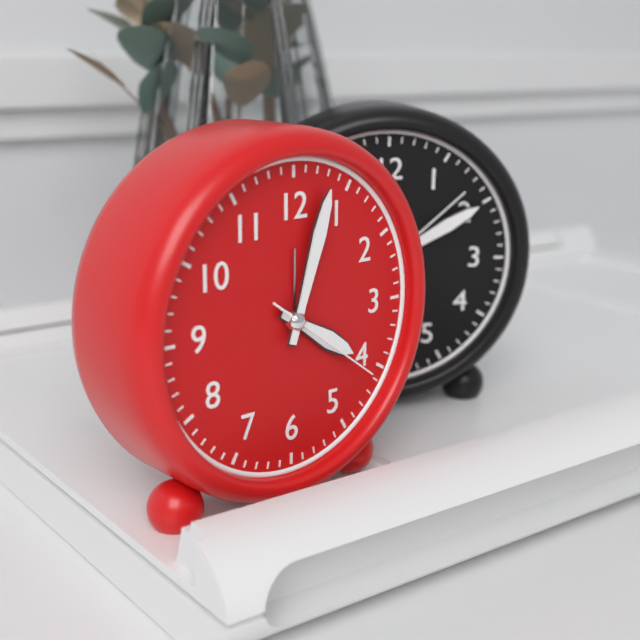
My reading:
4h03m21s
